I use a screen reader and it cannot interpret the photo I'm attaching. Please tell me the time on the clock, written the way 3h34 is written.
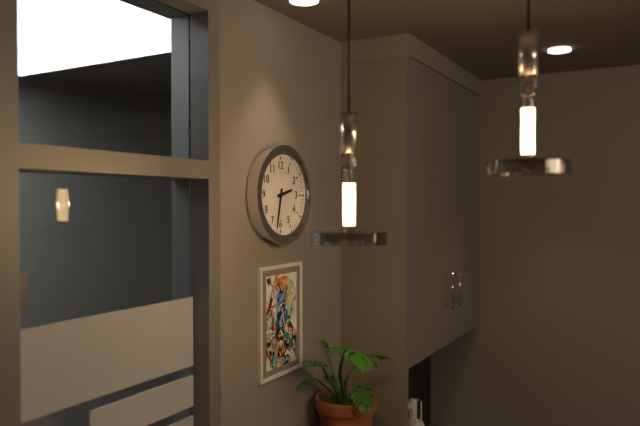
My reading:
2h32
